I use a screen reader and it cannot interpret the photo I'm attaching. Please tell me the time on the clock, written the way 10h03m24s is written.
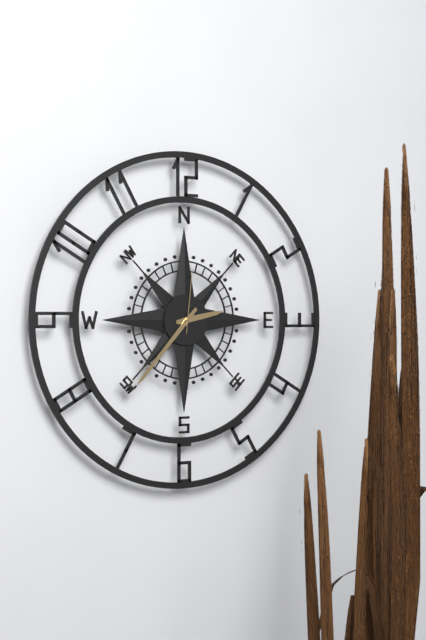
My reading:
2h37m01s
